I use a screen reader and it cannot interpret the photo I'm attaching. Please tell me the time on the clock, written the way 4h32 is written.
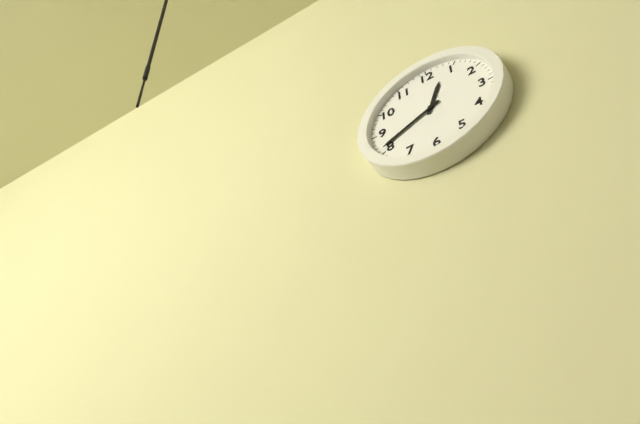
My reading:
12h41
